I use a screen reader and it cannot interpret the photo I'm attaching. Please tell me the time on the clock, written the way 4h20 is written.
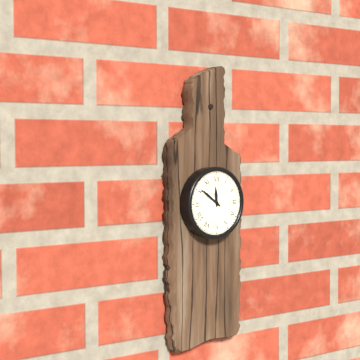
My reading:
11h51
